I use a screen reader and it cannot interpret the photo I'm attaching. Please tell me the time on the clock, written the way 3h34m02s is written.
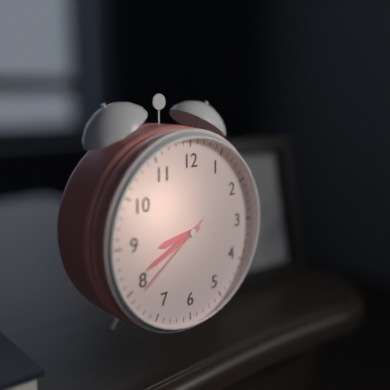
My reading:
8h41m39s
